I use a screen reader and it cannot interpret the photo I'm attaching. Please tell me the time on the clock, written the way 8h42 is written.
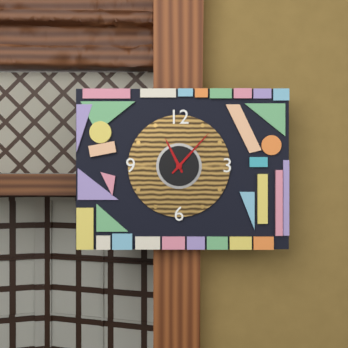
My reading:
11h07
